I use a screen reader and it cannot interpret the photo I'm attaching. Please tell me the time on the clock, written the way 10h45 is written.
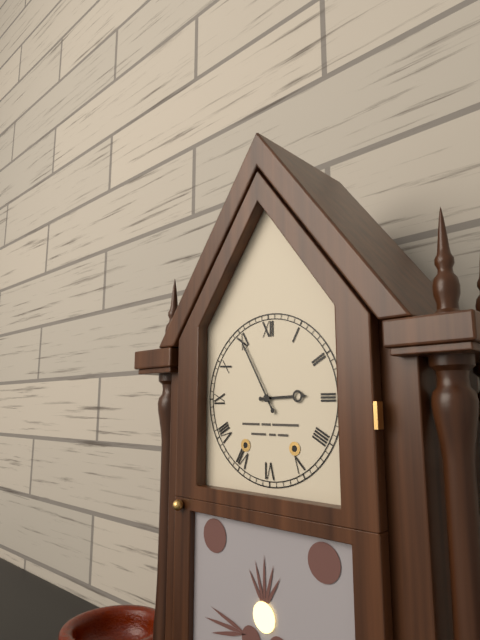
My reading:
2h55
